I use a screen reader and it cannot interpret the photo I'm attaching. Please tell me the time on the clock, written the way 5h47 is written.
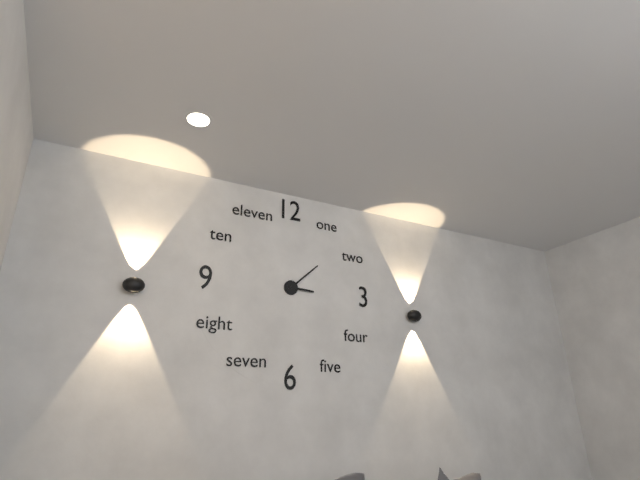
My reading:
3h08
